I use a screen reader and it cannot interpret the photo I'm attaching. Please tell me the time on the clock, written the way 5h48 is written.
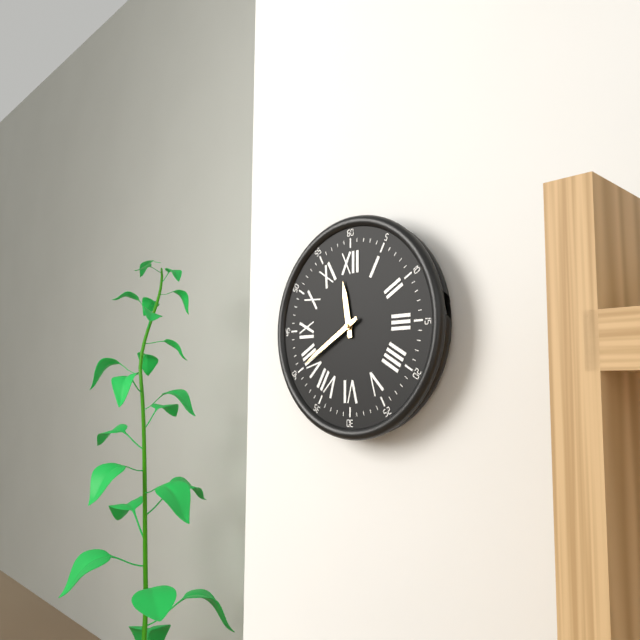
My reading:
11h40
